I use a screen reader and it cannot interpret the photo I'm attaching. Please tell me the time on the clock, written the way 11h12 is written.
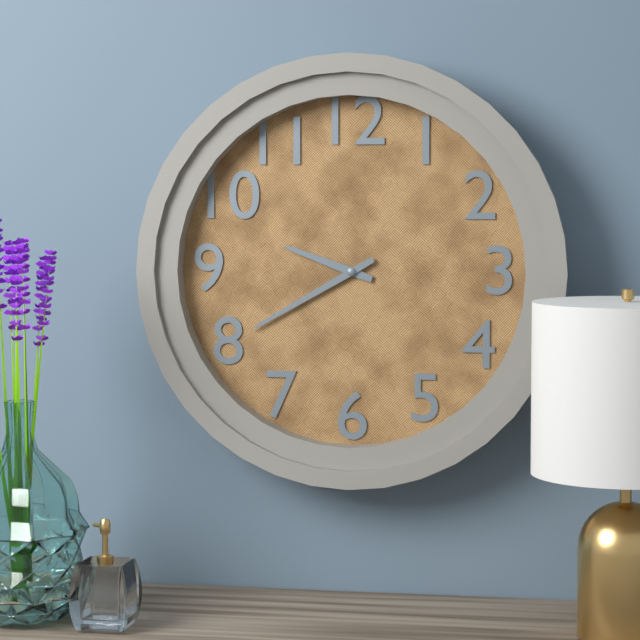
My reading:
9h40
